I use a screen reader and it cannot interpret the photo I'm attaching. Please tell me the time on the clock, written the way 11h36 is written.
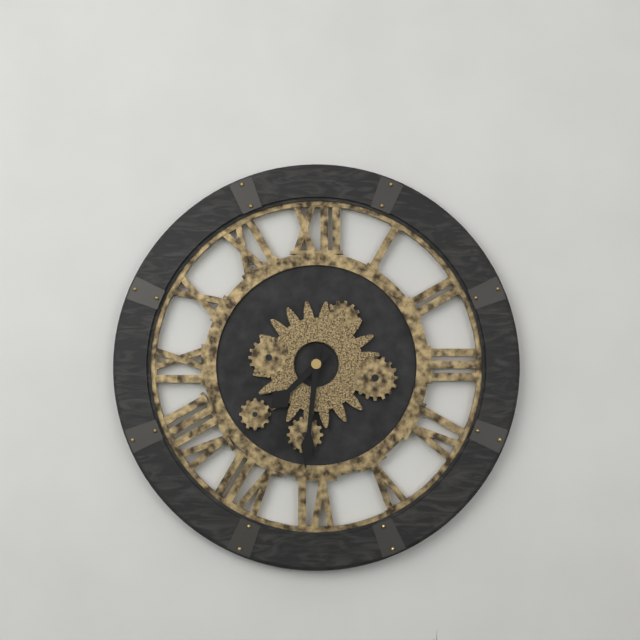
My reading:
7h31
